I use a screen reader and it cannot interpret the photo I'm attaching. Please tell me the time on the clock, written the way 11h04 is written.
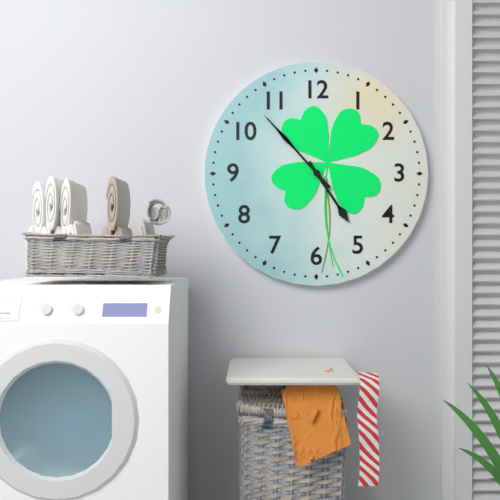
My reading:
4h53
